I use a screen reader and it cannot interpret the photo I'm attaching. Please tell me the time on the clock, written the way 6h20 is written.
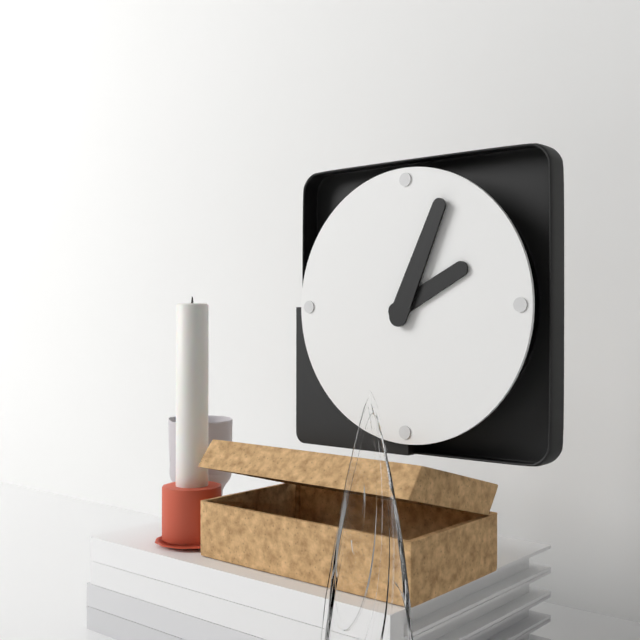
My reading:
2h04
